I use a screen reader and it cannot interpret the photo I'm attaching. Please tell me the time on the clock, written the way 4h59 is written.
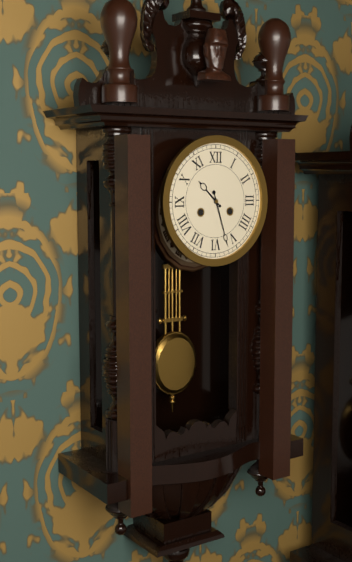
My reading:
10h27
